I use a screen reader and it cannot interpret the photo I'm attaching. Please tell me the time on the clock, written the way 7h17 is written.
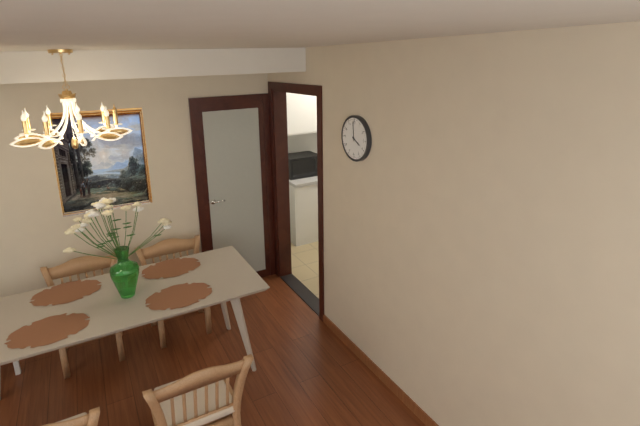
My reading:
3h59
